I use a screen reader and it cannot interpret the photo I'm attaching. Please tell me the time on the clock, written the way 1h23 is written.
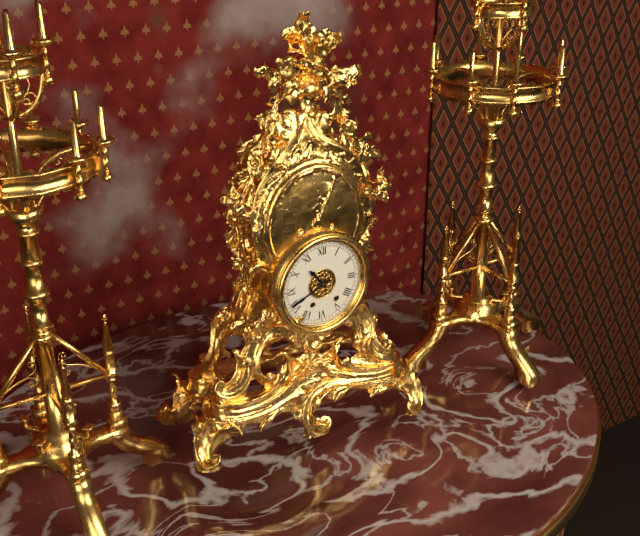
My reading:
10h41
